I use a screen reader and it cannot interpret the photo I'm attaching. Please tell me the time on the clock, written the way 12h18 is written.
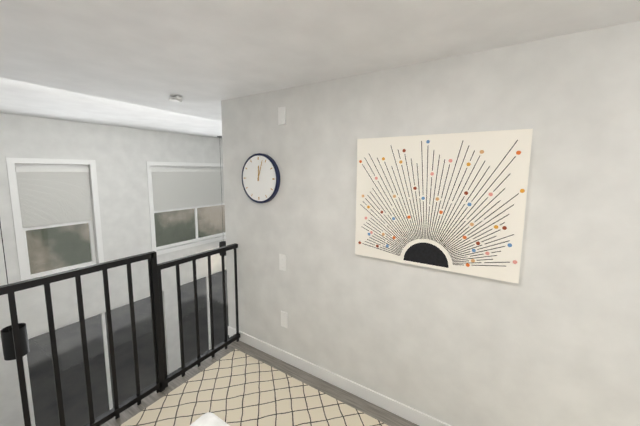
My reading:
12h03
